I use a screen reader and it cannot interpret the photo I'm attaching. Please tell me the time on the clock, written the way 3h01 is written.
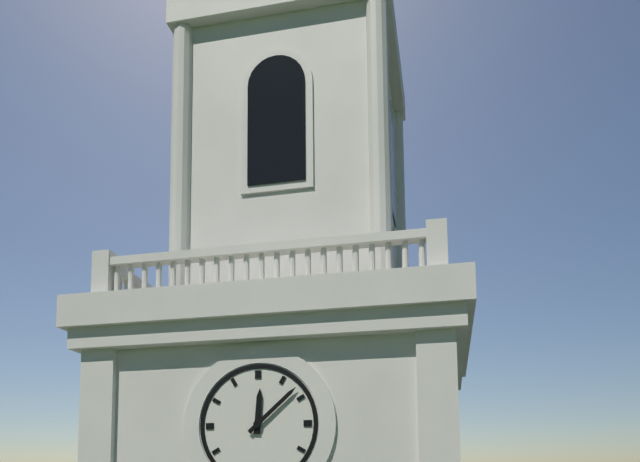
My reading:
12h08
